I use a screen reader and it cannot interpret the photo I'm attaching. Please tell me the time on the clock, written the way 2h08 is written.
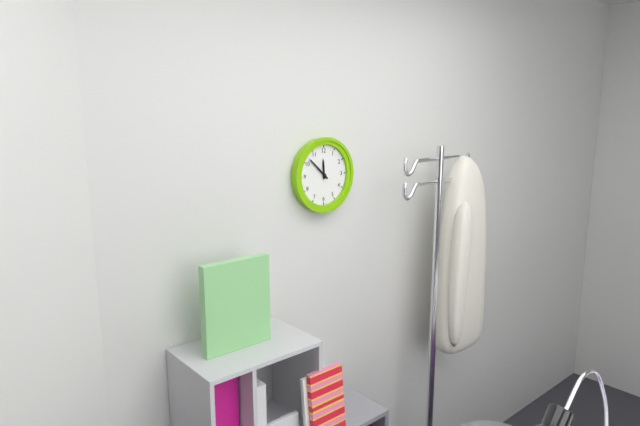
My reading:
11h52
